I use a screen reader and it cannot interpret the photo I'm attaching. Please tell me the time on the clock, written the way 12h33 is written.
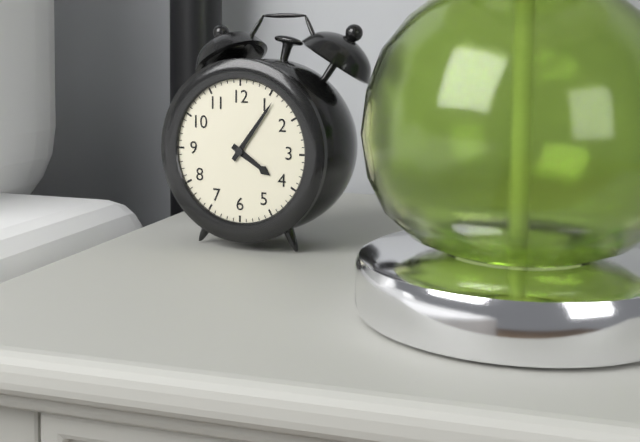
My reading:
4h06
